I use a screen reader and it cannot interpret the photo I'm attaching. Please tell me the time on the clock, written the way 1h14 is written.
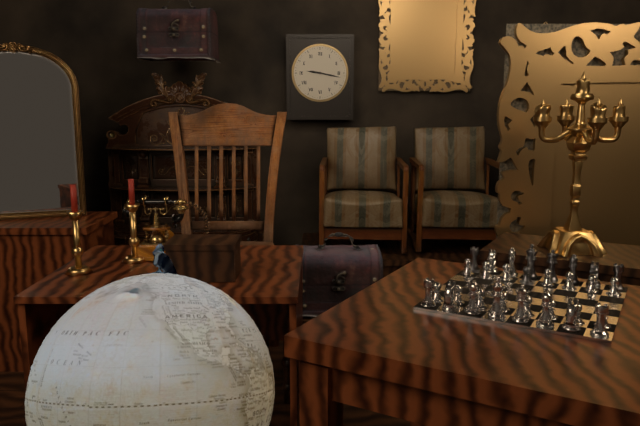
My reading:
9h17
